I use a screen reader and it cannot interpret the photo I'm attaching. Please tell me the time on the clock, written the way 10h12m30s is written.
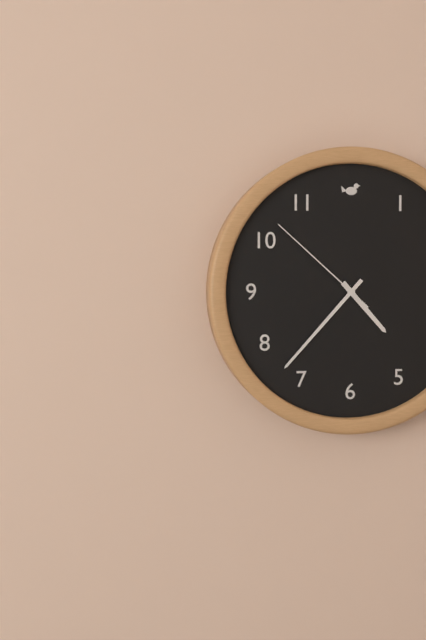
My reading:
4h37m52s
